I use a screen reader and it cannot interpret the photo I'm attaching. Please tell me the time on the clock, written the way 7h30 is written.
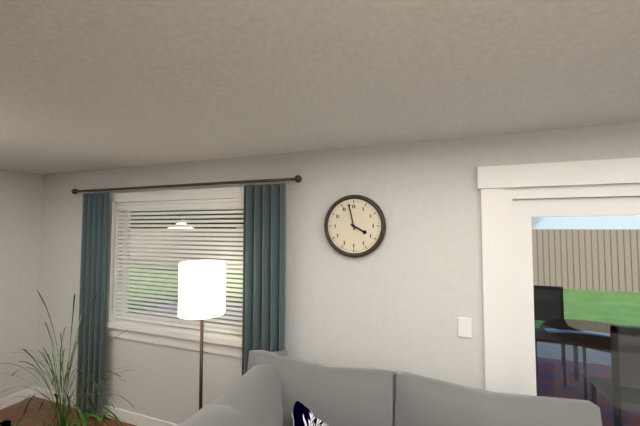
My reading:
3h58
